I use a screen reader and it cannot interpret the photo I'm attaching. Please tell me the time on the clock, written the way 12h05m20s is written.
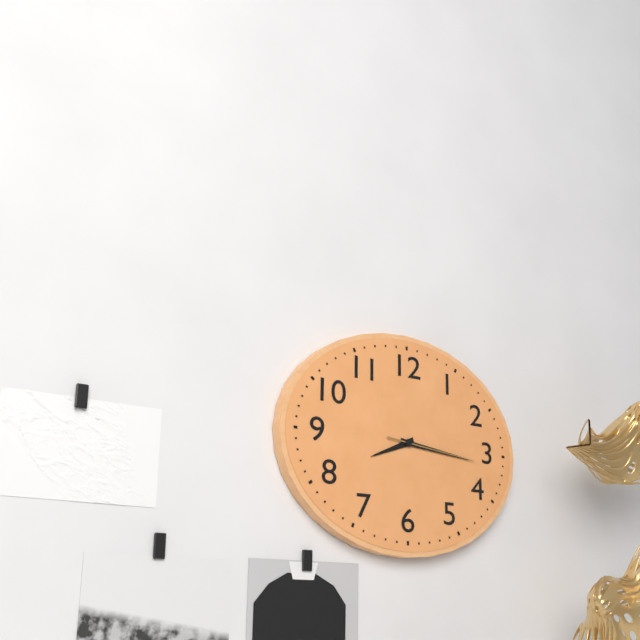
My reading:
8h16m16s
